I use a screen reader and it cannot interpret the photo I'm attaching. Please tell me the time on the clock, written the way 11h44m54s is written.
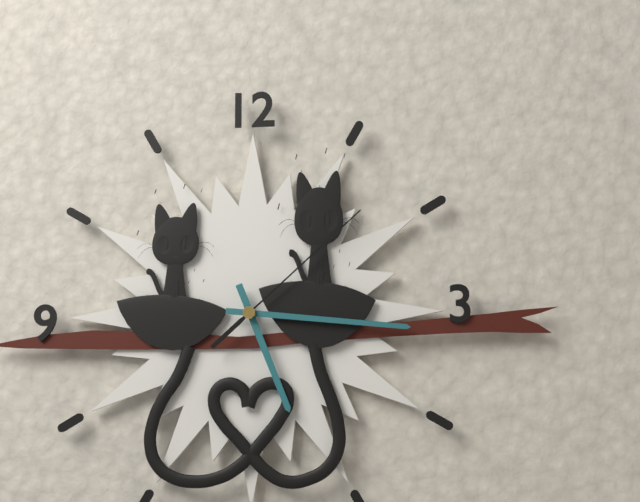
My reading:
5h16m08s
